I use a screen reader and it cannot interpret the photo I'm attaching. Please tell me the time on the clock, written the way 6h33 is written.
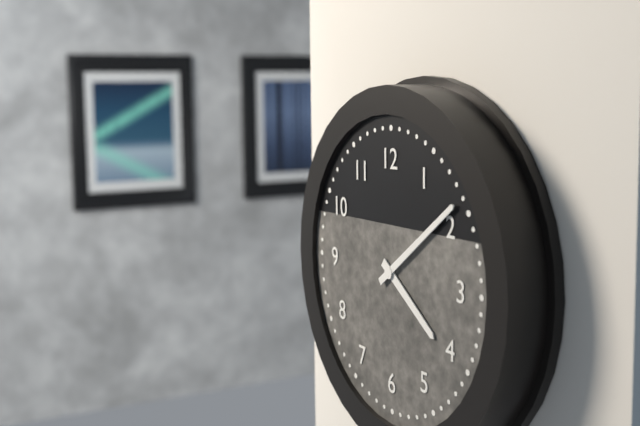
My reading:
4h09
